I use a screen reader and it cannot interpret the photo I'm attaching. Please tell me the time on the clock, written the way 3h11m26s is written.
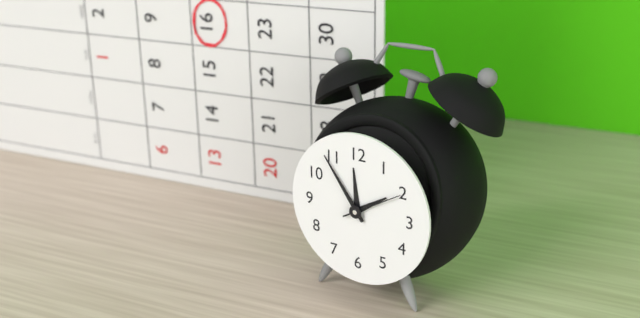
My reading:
1h54m10s
